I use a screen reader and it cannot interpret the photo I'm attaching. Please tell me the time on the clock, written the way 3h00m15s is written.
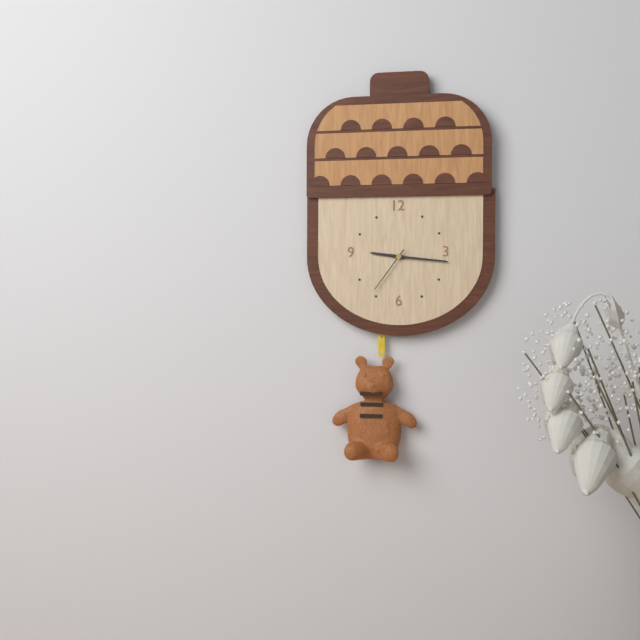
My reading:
9h16m36s
